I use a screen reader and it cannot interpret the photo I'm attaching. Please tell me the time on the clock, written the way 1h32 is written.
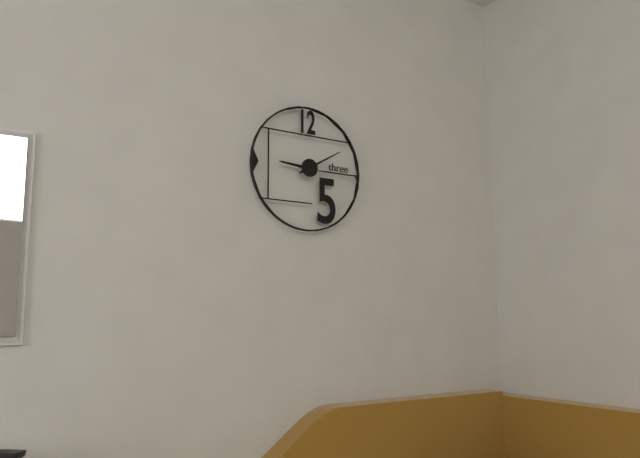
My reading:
9h10
